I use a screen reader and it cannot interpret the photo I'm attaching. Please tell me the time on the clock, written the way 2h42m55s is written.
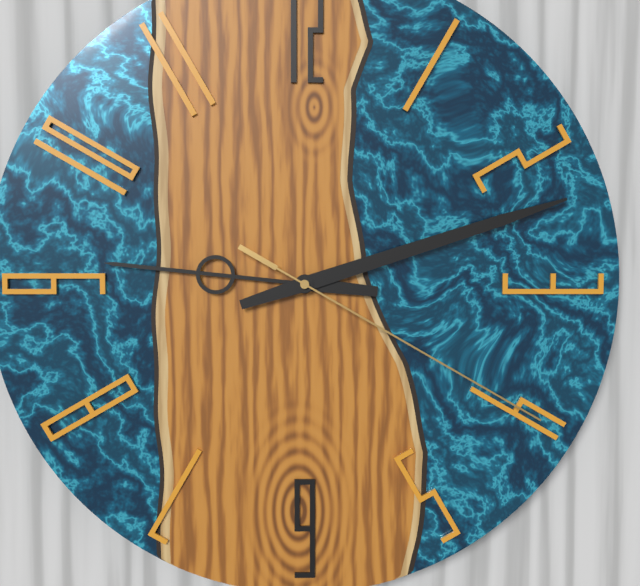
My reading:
9h12m20s
